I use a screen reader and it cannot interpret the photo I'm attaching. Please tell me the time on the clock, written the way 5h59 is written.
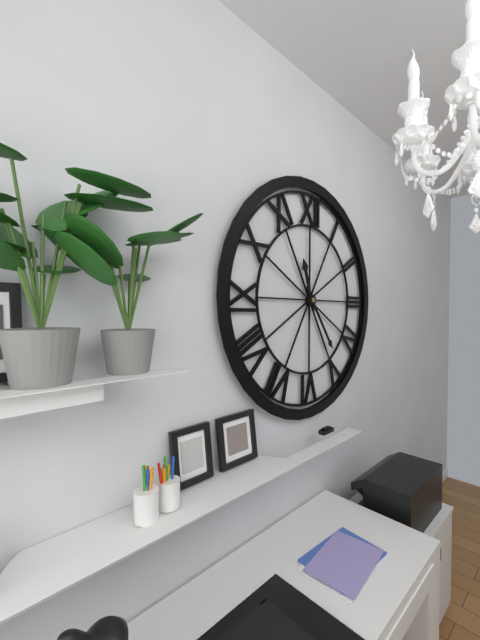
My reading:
11h24
